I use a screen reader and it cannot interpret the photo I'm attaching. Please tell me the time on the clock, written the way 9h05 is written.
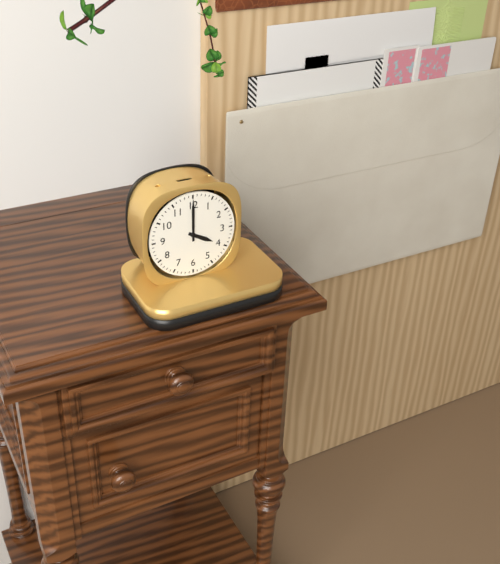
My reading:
4h00
